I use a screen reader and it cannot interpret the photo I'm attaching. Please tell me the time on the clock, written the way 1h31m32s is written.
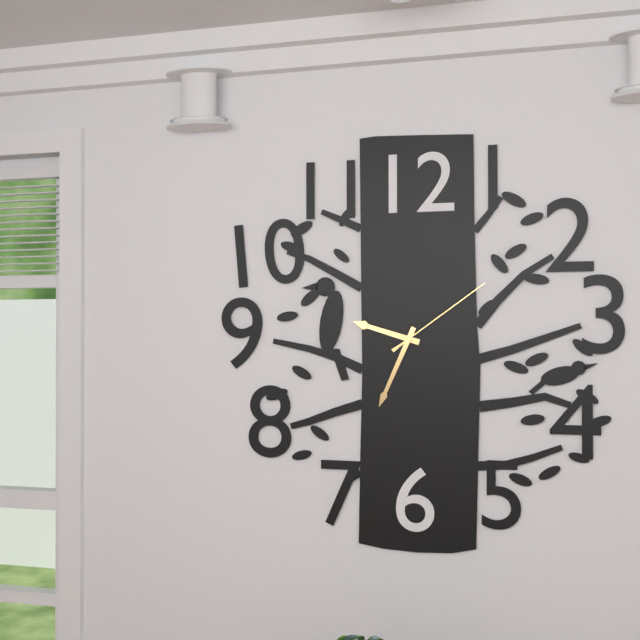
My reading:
9h34m09s
